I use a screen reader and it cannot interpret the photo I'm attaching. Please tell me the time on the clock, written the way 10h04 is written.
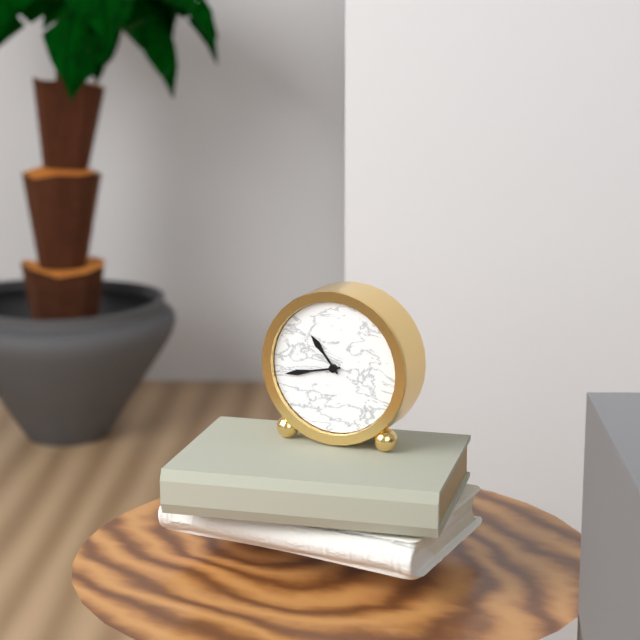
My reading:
10h43
